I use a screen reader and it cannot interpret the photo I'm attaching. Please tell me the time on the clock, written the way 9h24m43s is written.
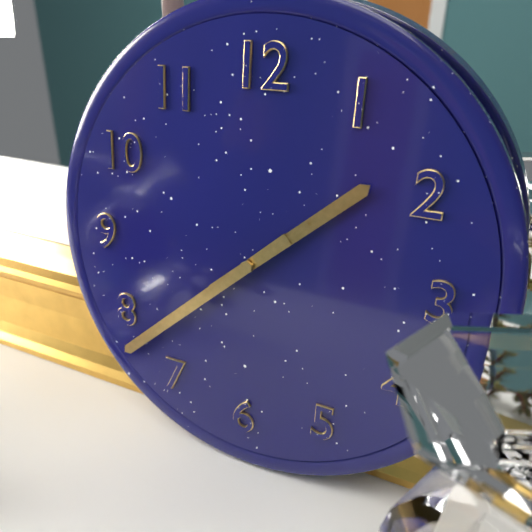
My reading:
1h38m38s
